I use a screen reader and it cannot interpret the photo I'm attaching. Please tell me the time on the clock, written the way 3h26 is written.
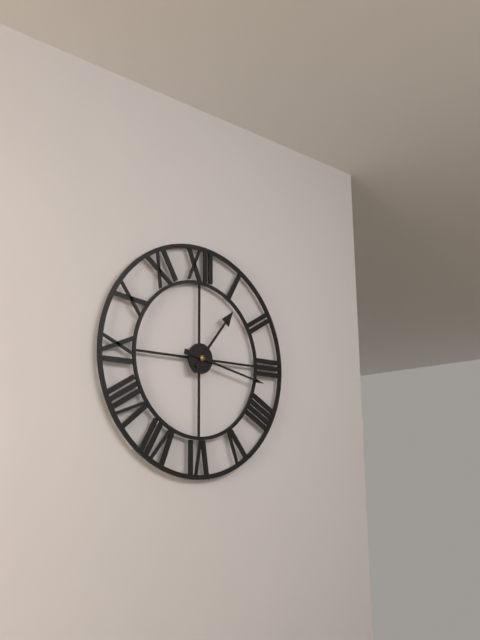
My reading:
1h17
